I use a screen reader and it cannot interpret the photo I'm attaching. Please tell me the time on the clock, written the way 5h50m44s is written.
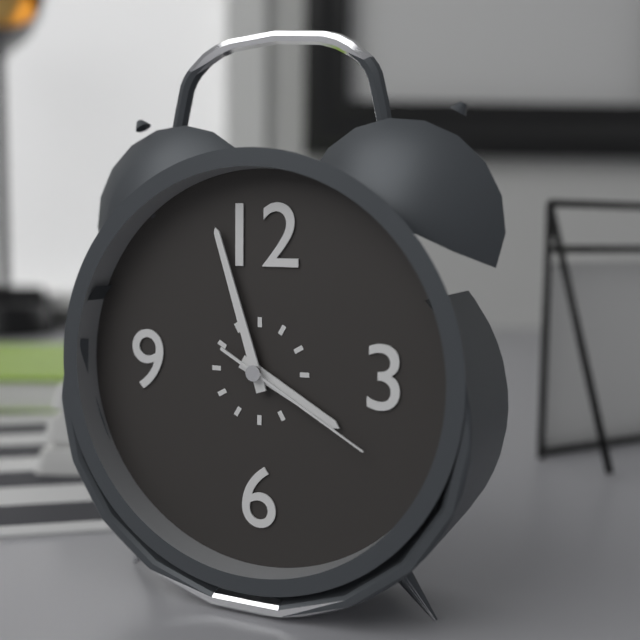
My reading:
3h57m20s
